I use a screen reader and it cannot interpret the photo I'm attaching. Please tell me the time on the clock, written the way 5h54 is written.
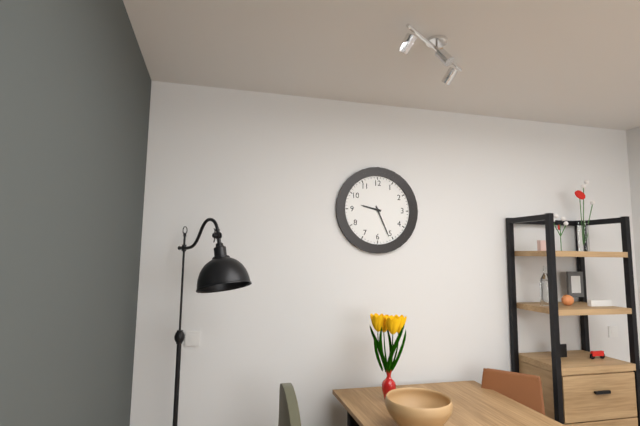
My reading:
9h26
